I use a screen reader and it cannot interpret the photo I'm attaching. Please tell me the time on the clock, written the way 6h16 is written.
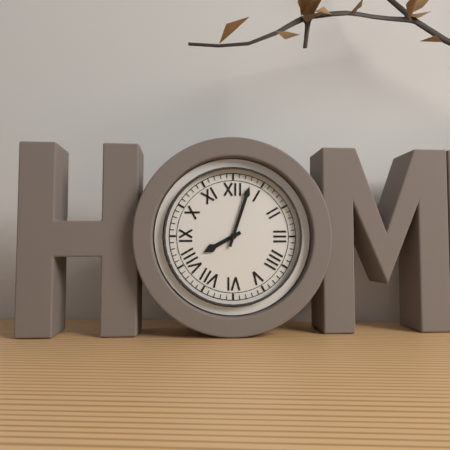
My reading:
8h03
